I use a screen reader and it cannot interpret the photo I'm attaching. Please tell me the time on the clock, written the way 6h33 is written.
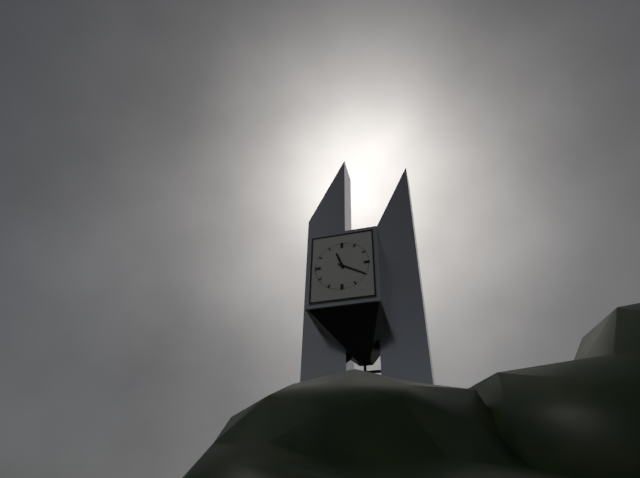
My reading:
11h20
